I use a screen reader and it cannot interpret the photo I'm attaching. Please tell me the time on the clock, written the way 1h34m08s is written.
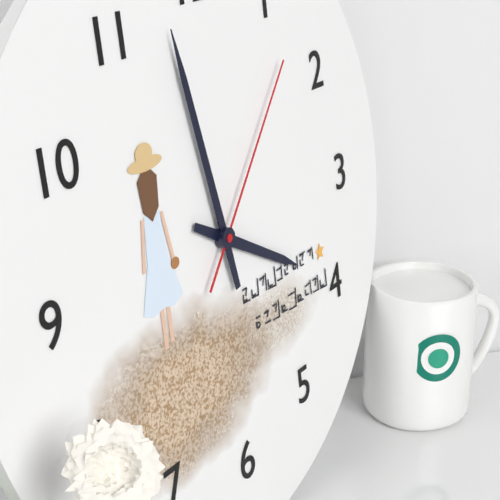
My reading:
3h58m07s
